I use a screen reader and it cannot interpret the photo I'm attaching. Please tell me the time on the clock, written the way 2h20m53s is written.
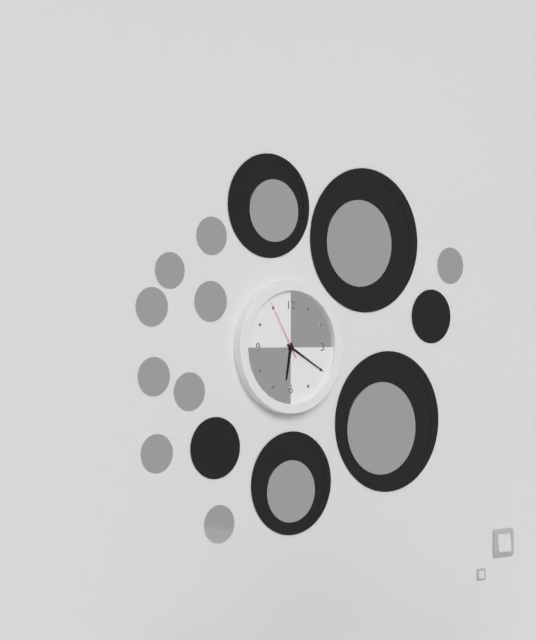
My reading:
6h20m55s
